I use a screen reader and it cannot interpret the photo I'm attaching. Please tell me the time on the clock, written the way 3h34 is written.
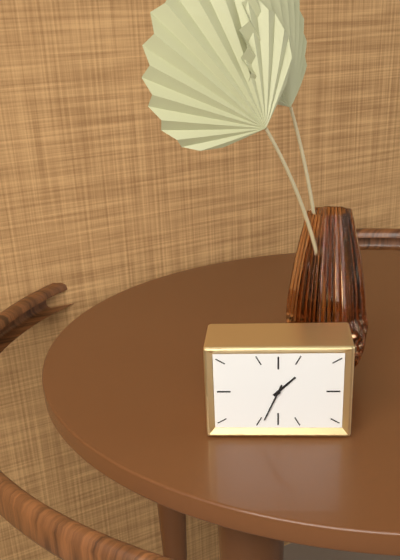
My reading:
1h34
